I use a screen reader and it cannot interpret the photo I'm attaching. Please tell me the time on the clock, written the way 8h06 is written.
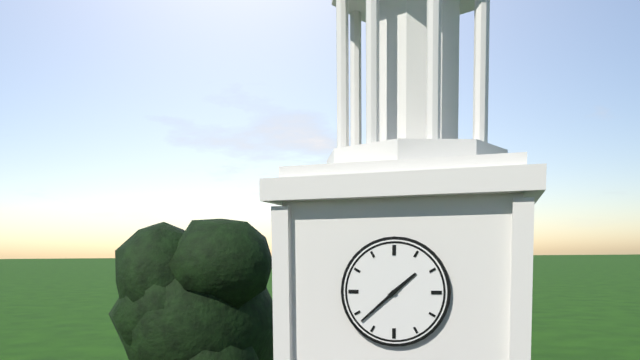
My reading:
1h38
